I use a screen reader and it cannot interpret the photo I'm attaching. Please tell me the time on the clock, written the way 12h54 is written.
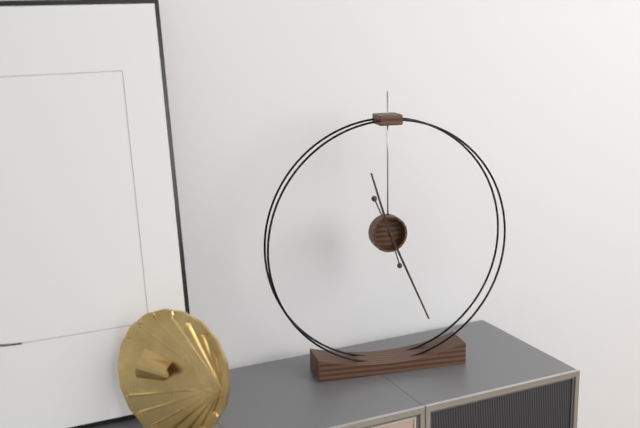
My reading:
11h26
